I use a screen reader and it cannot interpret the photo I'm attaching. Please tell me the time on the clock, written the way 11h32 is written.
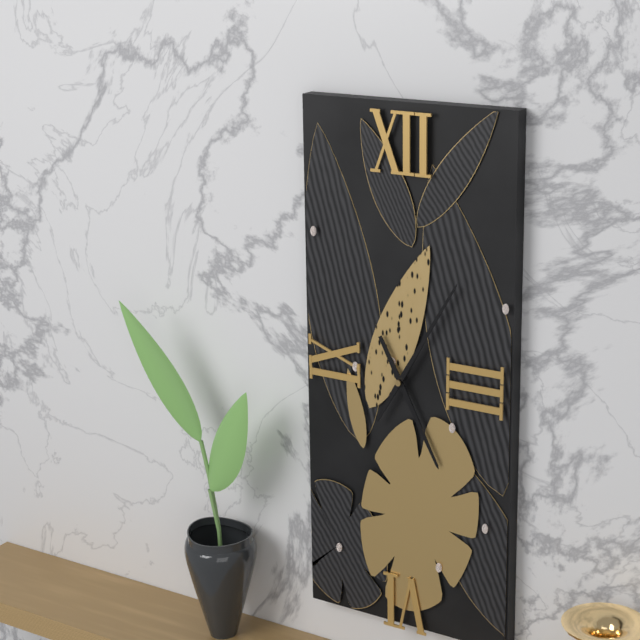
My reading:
5h05
